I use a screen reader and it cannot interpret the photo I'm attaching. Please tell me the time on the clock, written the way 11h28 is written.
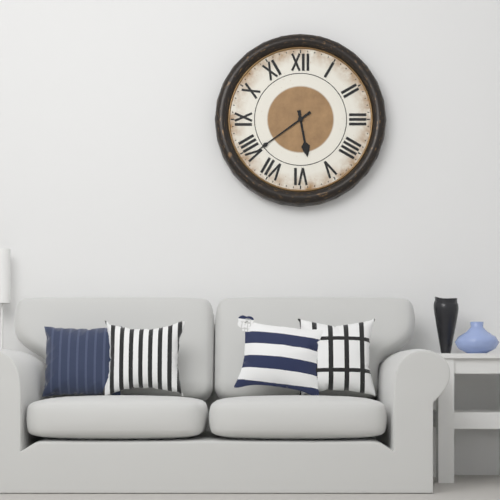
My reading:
5h39
